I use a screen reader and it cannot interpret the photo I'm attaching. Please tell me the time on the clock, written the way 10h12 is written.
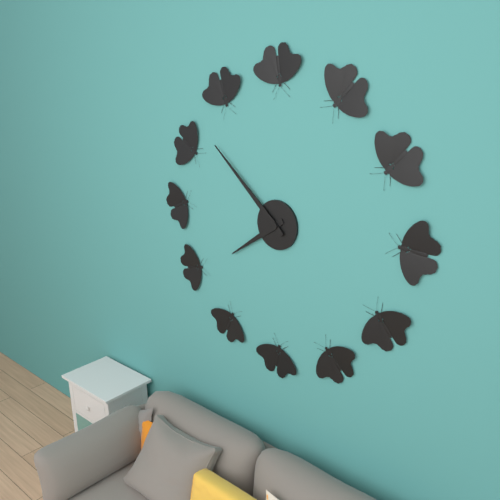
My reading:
7h52
